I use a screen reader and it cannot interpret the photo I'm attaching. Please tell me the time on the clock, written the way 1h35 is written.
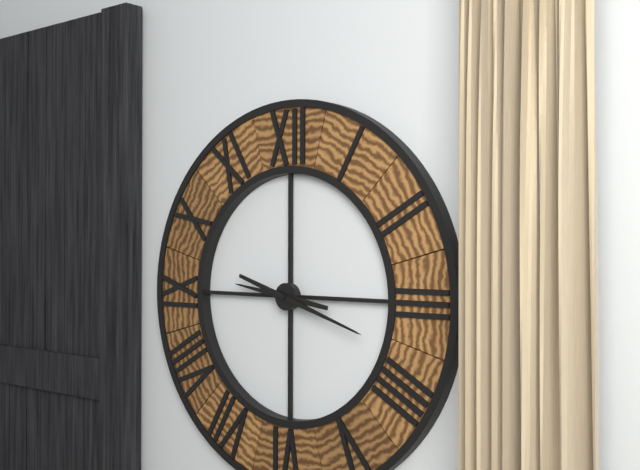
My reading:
9h18
